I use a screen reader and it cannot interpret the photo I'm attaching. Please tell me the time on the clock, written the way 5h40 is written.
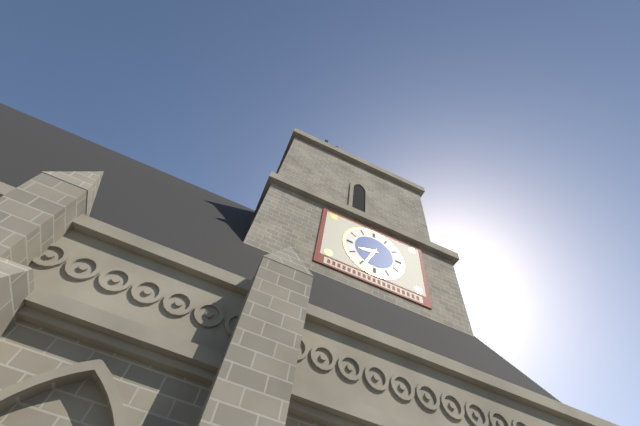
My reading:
8h34
